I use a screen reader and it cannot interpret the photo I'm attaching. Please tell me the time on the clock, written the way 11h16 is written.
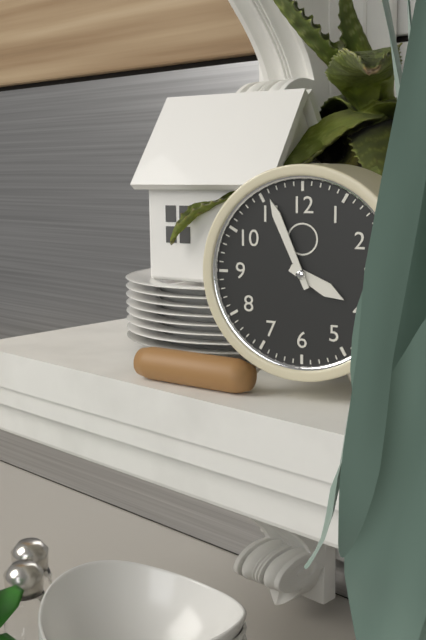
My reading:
3h56
